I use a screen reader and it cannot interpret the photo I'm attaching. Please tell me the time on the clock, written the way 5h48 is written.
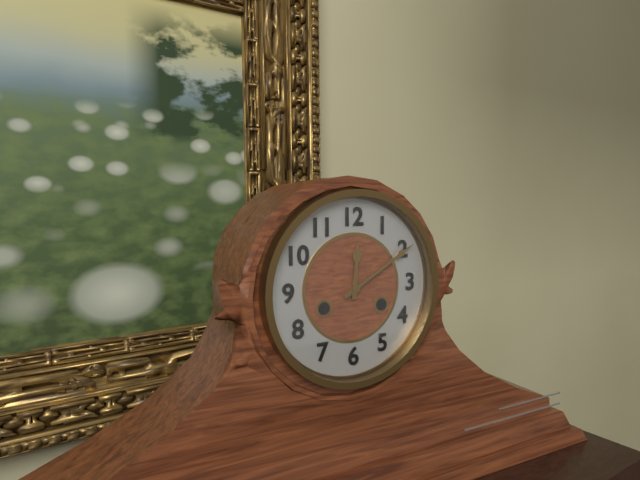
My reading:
12h10
